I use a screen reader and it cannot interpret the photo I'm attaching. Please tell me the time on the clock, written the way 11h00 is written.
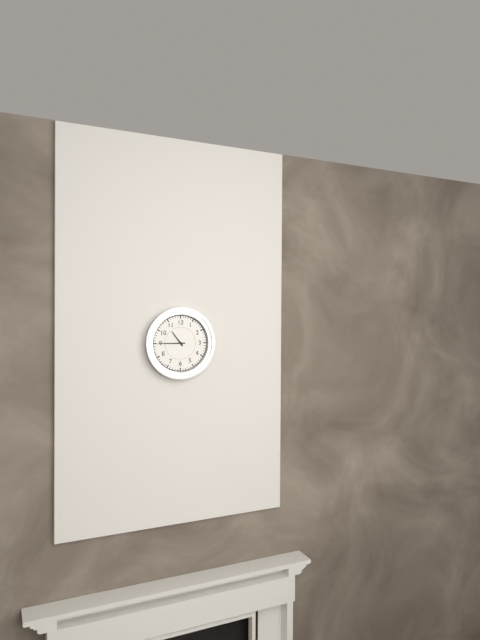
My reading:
10h45
